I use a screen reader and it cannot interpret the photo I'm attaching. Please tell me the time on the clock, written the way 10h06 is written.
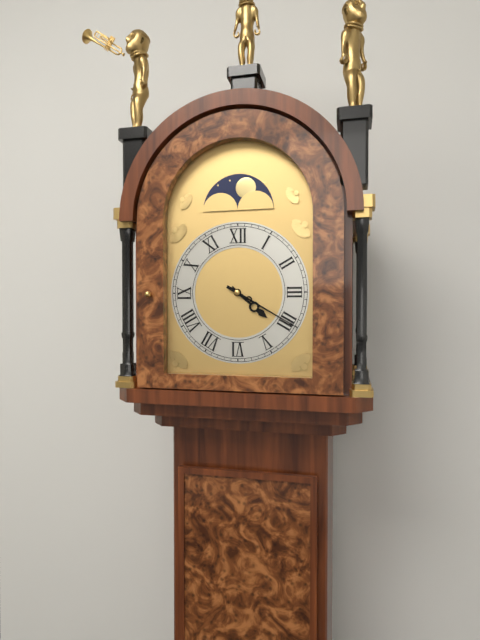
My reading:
4h20
